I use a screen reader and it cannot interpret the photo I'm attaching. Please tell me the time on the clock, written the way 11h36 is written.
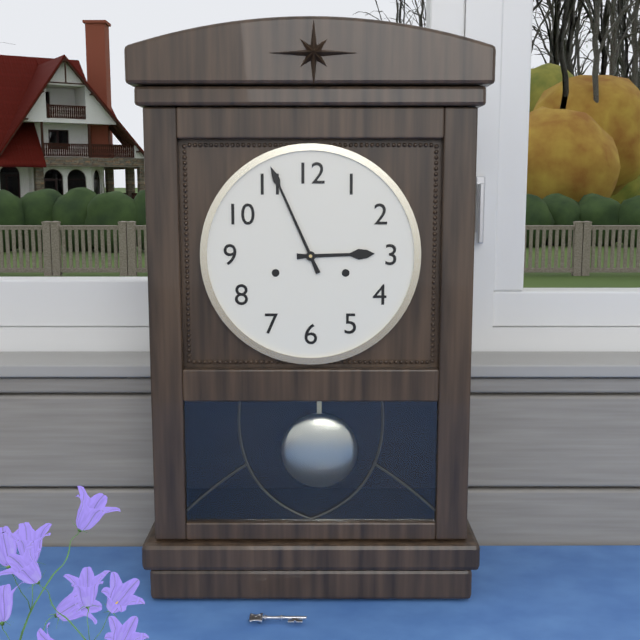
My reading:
2h56
